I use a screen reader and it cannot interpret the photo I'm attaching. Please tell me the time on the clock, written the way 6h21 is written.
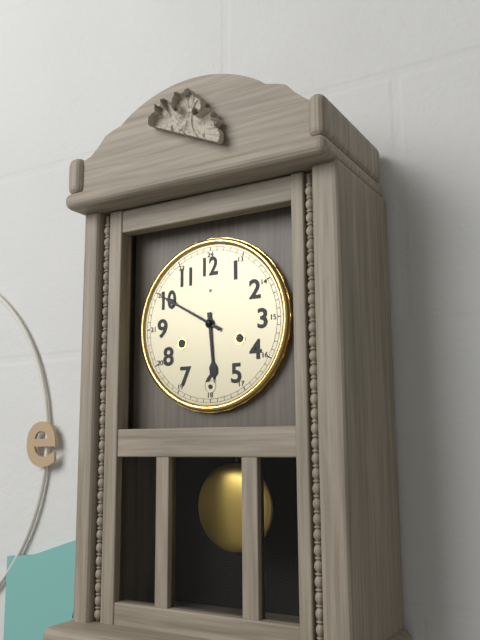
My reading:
5h50
